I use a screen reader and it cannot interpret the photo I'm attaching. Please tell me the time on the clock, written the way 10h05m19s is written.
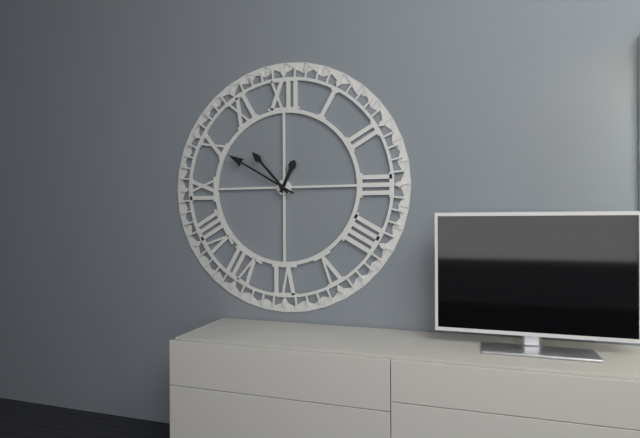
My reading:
12h50m53s
